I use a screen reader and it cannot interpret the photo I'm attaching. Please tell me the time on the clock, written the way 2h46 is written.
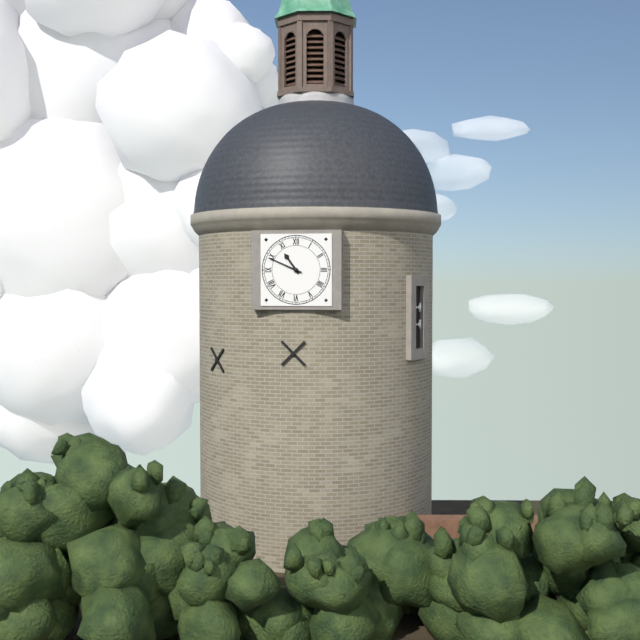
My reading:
10h49
